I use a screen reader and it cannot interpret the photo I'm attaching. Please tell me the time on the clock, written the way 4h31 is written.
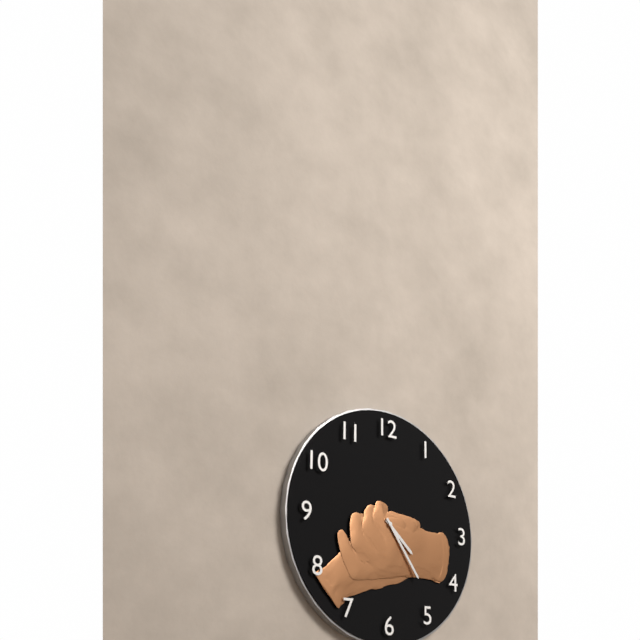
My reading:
4h24
